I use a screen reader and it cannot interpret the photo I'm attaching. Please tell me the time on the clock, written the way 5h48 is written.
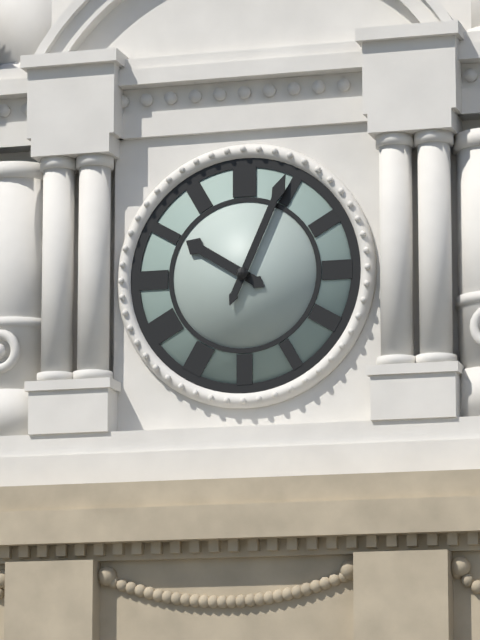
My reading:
10h04
